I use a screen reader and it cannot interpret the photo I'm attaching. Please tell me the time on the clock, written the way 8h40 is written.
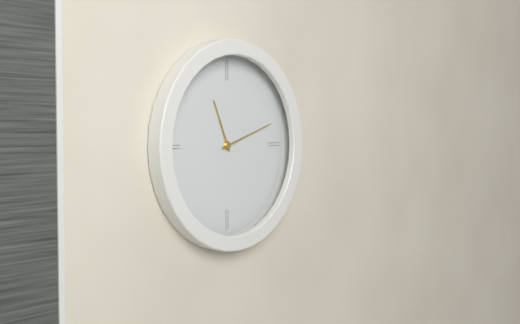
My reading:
11h12
